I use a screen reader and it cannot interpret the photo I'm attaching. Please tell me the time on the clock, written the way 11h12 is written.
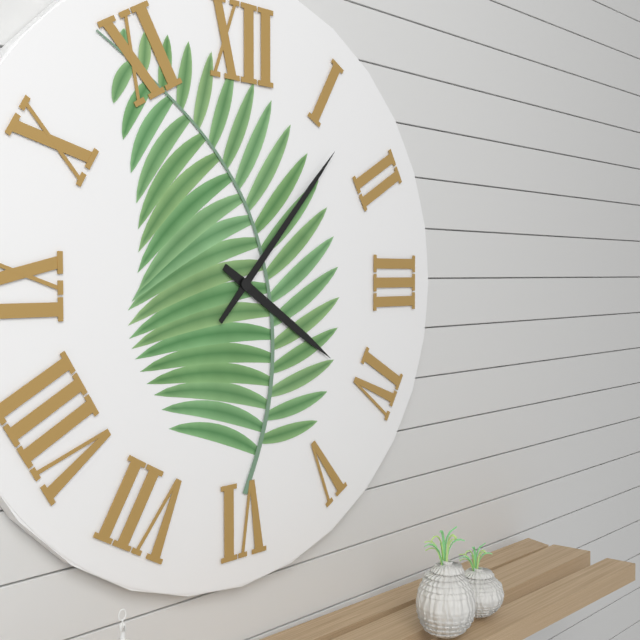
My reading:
4h07
